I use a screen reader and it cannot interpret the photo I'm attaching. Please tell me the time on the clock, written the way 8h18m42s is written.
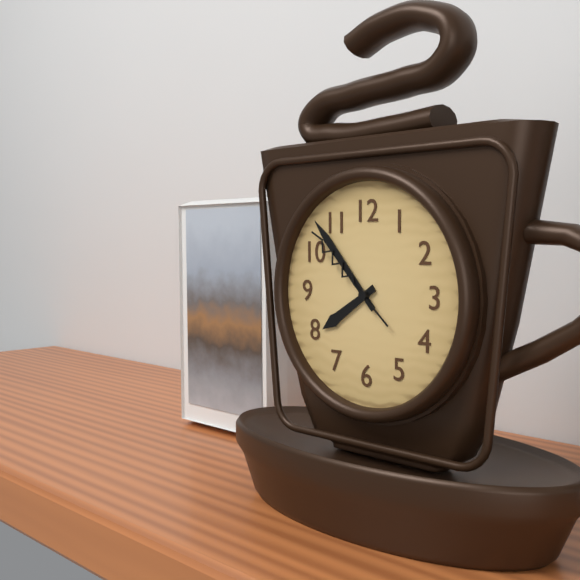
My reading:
7h53m52s
